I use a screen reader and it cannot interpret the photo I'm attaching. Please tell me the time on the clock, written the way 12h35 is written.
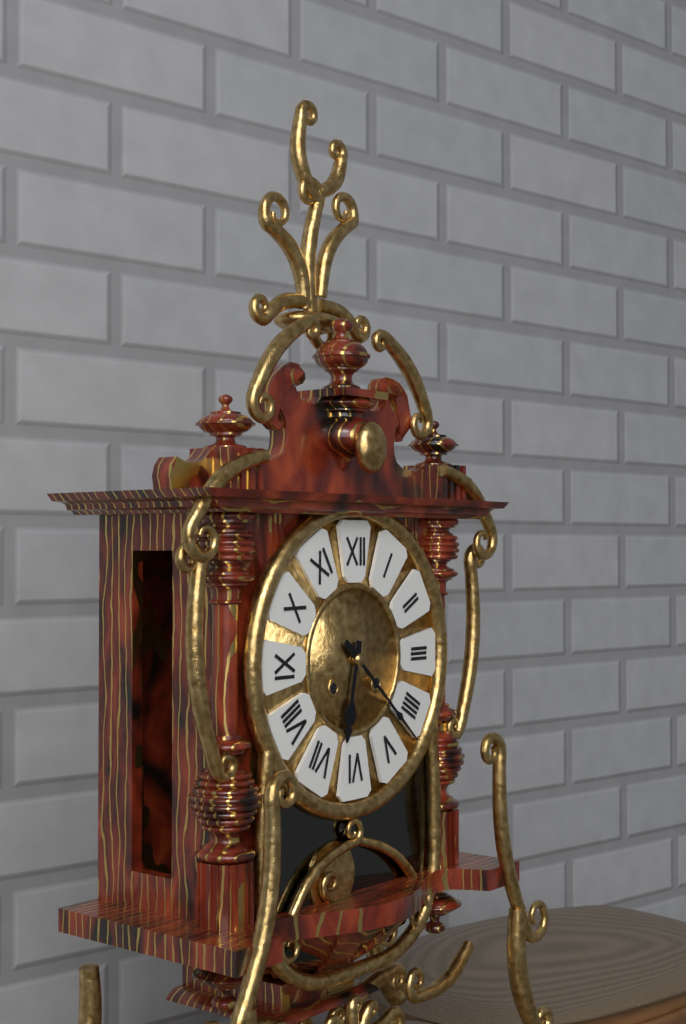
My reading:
6h22
